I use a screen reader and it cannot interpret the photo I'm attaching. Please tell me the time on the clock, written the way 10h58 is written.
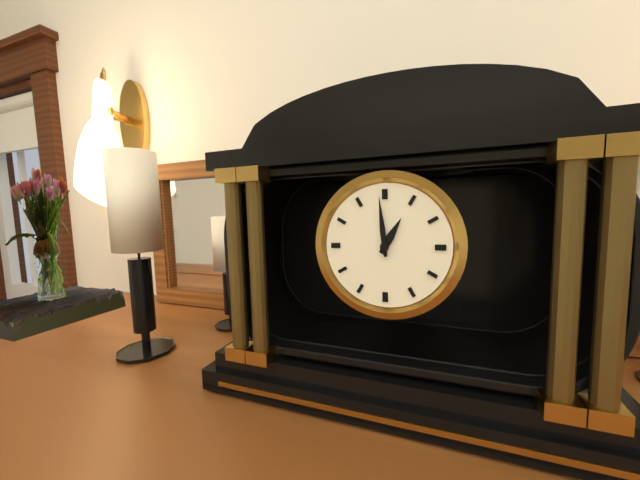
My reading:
12h59
